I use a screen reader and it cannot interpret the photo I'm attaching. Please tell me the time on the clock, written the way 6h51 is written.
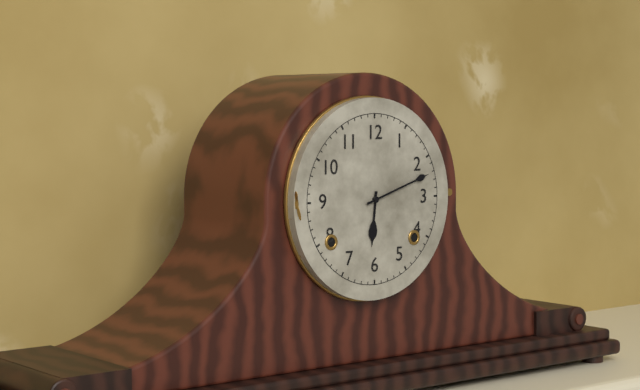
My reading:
6h12
